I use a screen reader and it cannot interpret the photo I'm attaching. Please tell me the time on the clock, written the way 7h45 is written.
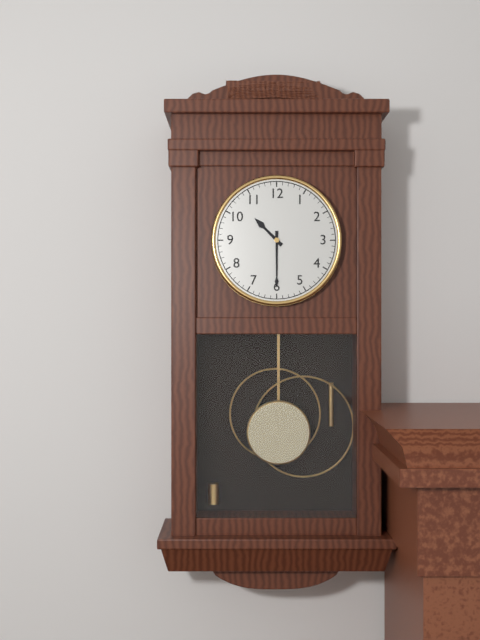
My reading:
10h30
